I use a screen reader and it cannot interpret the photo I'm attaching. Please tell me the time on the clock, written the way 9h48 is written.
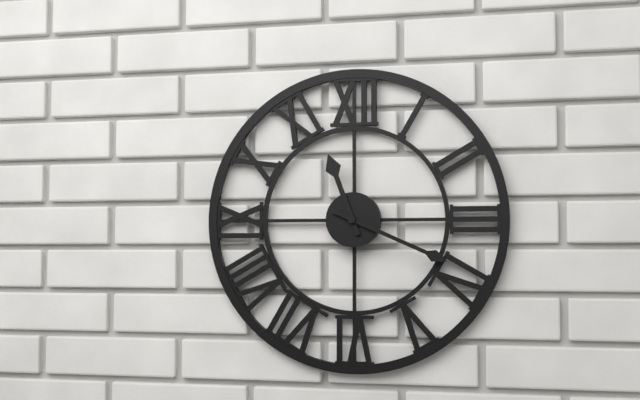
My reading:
11h19
